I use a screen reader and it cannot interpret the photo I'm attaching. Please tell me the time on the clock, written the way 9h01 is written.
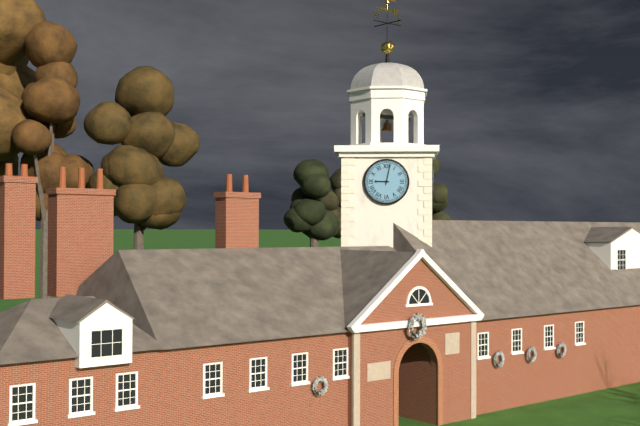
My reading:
9h02
